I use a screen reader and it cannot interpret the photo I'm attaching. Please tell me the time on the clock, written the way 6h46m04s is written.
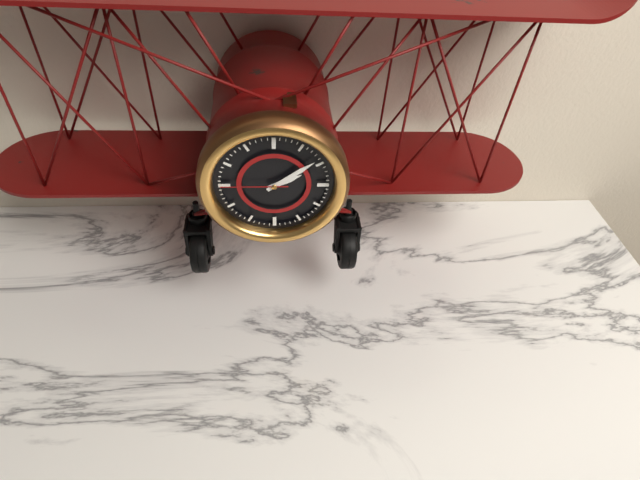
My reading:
2h09m45s
